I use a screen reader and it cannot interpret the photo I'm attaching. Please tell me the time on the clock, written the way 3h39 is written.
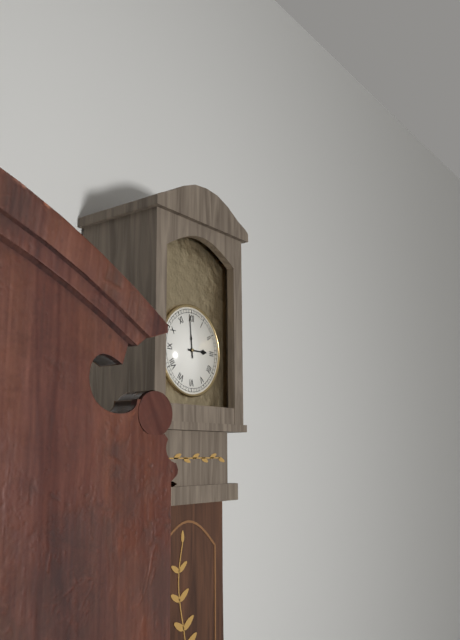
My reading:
2h59
